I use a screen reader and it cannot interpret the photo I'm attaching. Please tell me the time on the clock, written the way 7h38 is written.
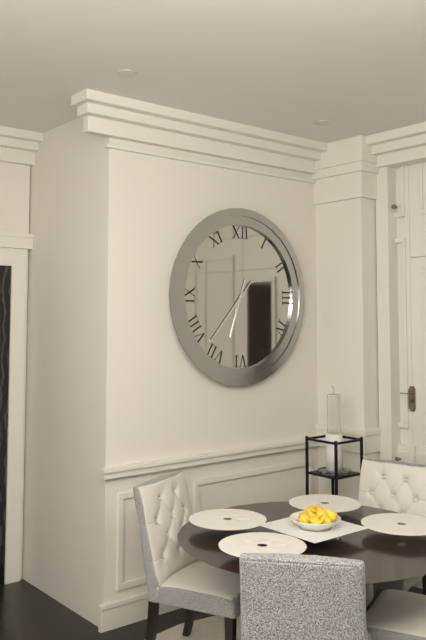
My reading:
6h37
